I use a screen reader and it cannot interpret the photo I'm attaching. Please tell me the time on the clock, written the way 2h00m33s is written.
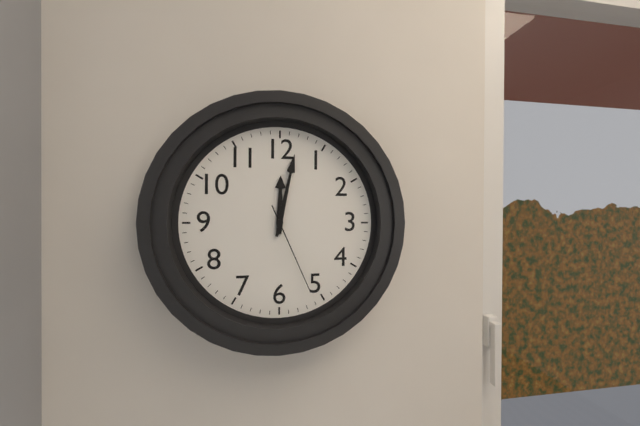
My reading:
12h02m26s
